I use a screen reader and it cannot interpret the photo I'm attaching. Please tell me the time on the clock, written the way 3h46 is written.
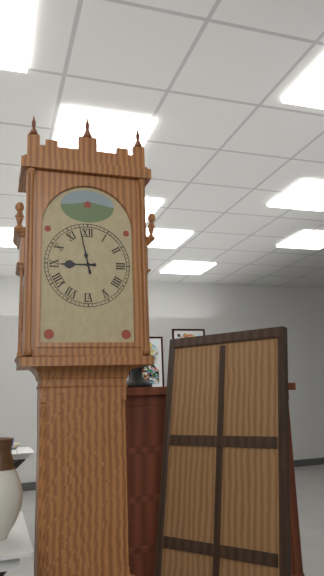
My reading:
8h58
